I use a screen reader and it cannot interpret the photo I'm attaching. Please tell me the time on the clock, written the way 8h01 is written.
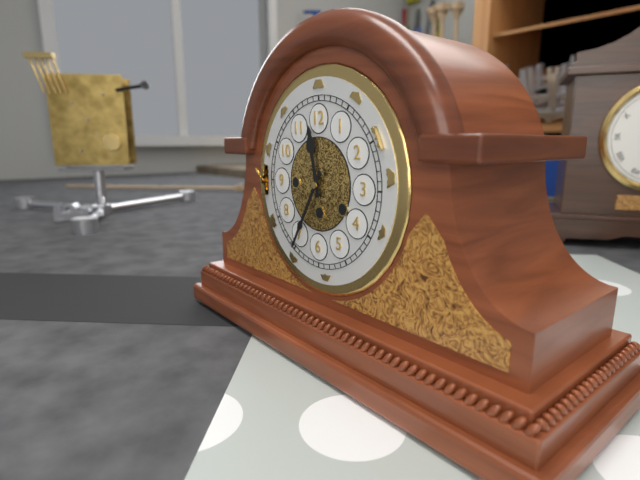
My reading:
11h35
